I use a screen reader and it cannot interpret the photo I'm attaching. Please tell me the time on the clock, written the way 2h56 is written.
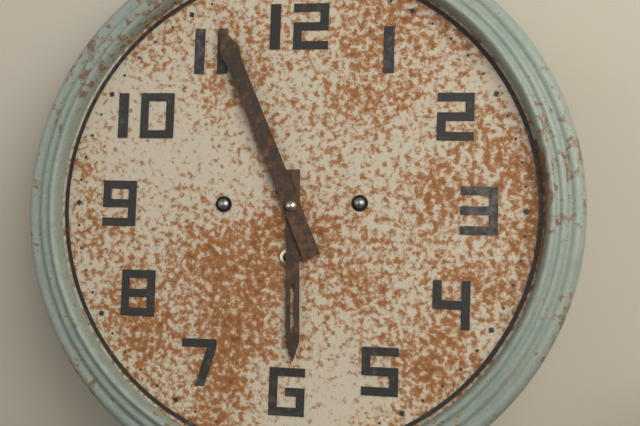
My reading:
5h56
